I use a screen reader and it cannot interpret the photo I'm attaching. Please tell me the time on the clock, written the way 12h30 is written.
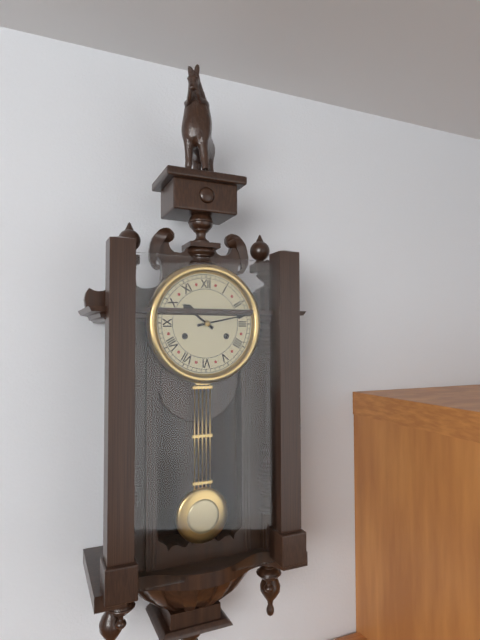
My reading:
10h13
